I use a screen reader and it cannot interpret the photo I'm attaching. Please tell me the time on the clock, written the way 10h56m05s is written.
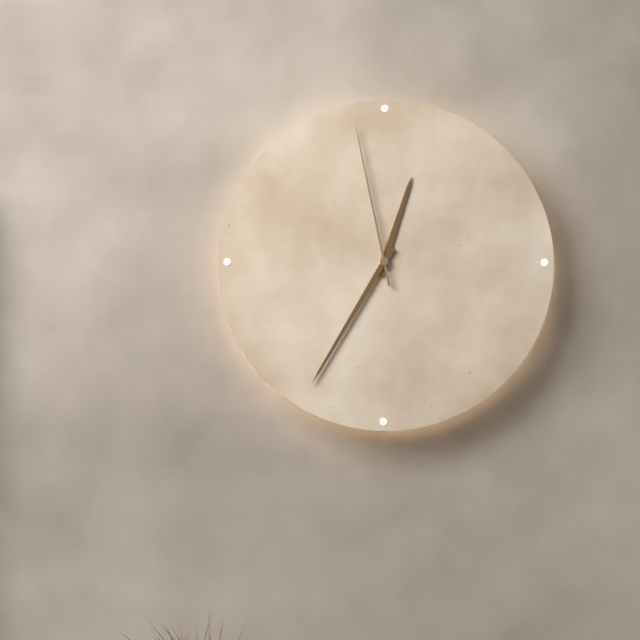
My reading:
12h35m58s
